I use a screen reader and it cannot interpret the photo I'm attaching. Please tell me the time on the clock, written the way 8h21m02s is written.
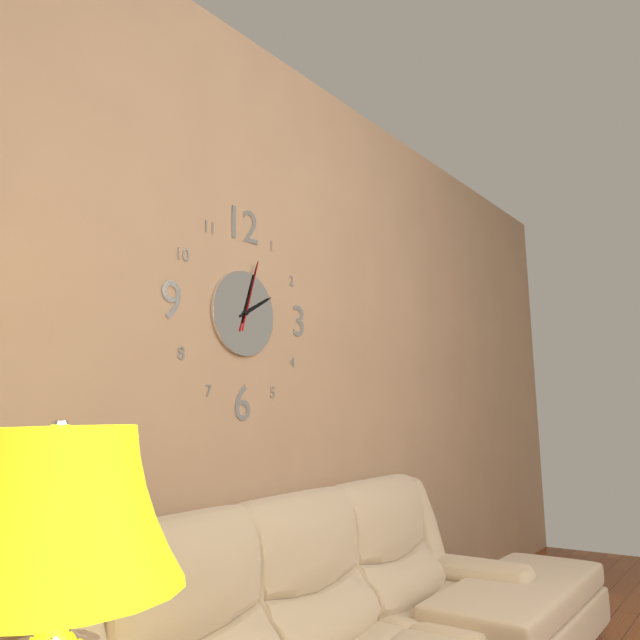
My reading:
2h03m03s
